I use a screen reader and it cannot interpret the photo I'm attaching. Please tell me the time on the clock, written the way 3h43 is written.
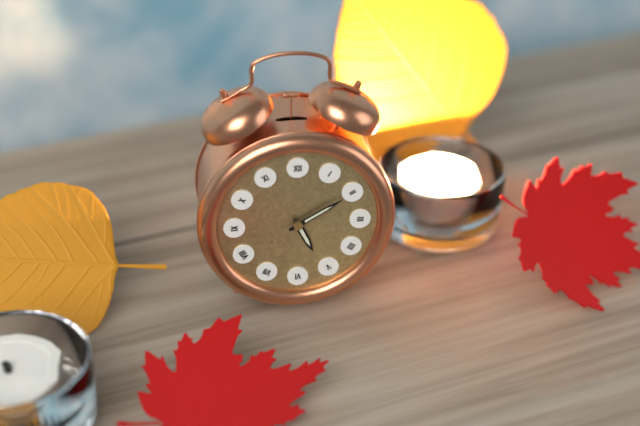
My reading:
5h10
